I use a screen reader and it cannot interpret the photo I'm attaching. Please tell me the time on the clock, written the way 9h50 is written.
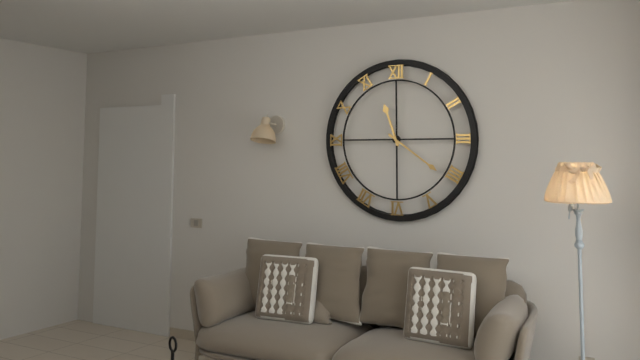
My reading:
11h21
